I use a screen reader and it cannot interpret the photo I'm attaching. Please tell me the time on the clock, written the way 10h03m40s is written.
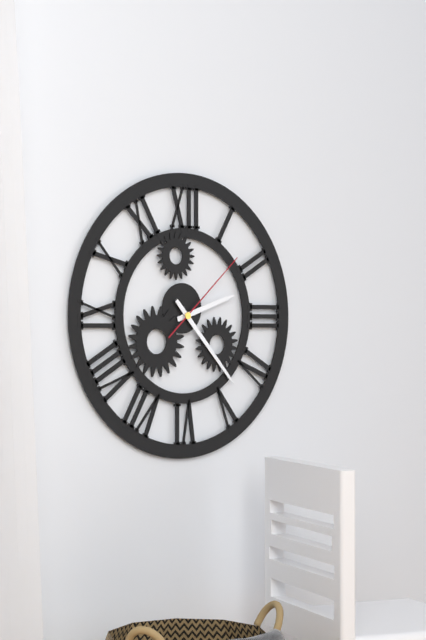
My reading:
2h23m08s
